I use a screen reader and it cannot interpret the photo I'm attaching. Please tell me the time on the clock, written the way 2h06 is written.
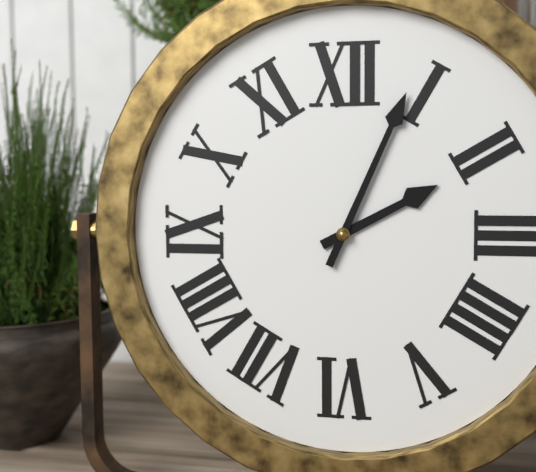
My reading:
2h04
